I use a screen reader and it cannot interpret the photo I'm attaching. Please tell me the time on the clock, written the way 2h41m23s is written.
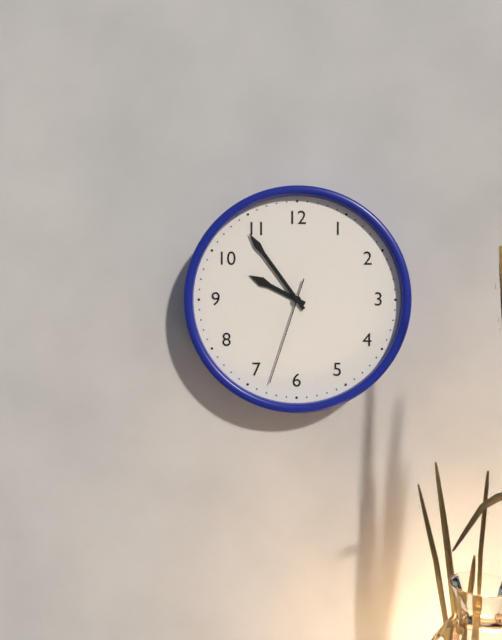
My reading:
9h54m33s
